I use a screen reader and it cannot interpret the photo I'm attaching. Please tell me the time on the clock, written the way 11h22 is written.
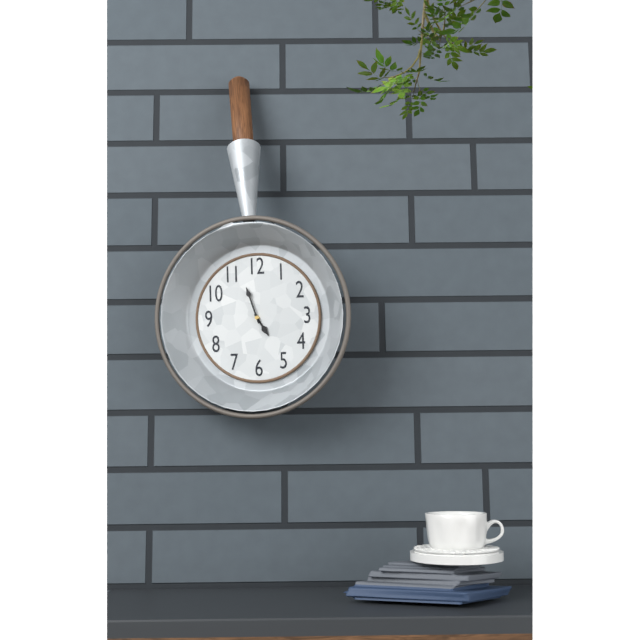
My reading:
4h57
